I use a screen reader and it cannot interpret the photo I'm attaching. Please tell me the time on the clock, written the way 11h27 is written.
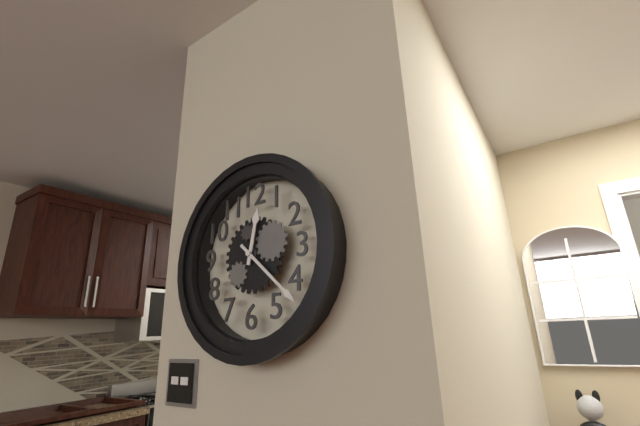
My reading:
12h22
